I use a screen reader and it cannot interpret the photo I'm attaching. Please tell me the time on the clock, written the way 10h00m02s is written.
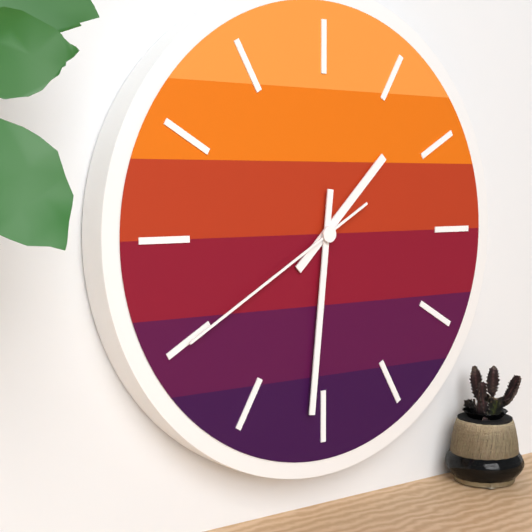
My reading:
1h31m40s
